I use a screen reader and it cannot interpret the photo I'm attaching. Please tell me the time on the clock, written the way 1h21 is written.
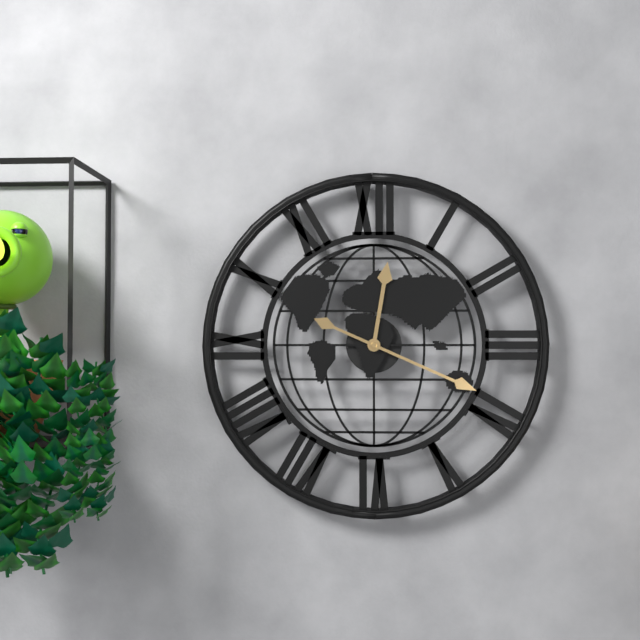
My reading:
12h19
